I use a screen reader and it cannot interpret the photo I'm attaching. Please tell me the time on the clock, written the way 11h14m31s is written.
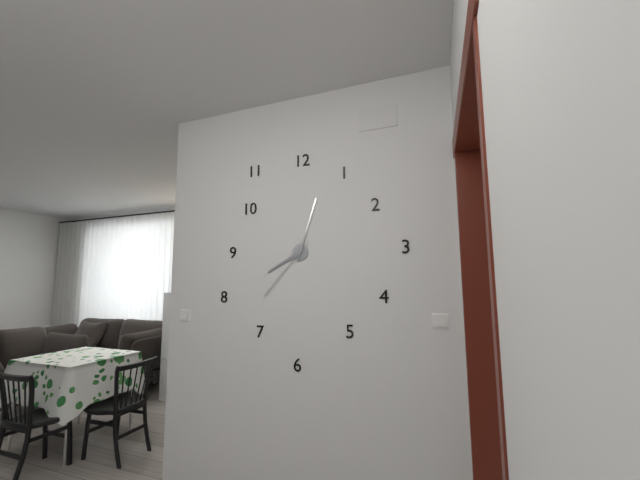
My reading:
8h03m37s
